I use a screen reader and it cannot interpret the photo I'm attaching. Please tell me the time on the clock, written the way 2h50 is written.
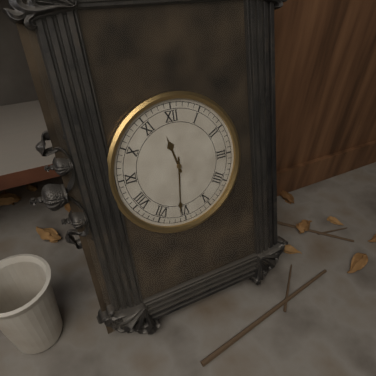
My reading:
11h31
